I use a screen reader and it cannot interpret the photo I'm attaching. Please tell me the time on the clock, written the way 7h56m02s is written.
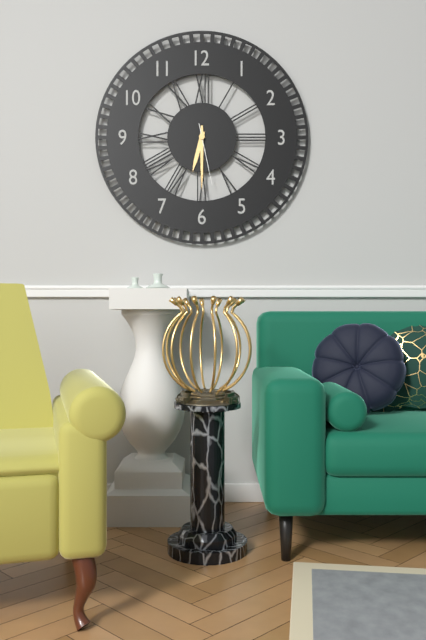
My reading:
6h30m28s
